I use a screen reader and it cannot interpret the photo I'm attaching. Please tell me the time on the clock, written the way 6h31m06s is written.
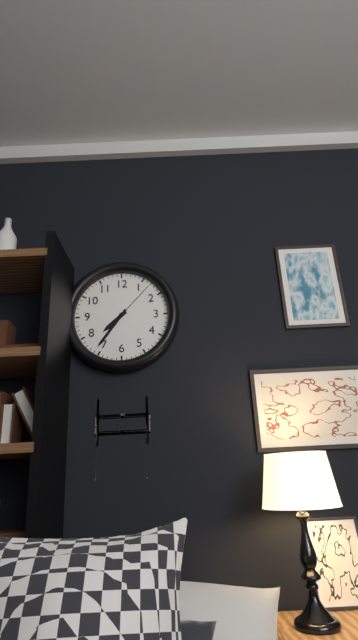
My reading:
7h36m07s
